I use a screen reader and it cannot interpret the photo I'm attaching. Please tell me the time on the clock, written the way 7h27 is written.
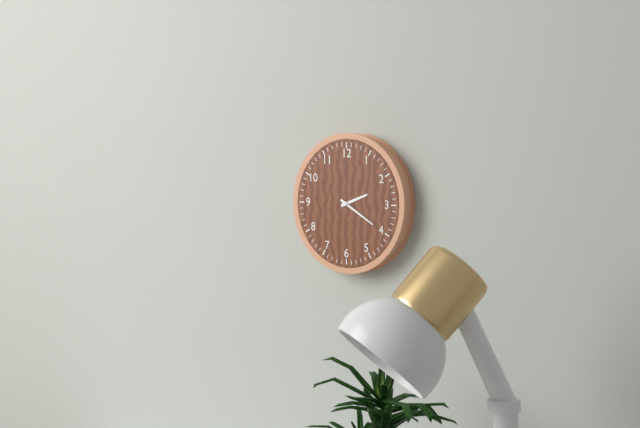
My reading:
2h20
